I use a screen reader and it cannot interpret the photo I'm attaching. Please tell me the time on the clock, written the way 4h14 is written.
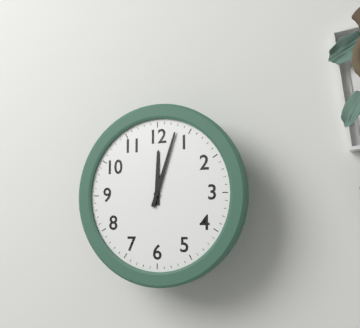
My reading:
12h03
